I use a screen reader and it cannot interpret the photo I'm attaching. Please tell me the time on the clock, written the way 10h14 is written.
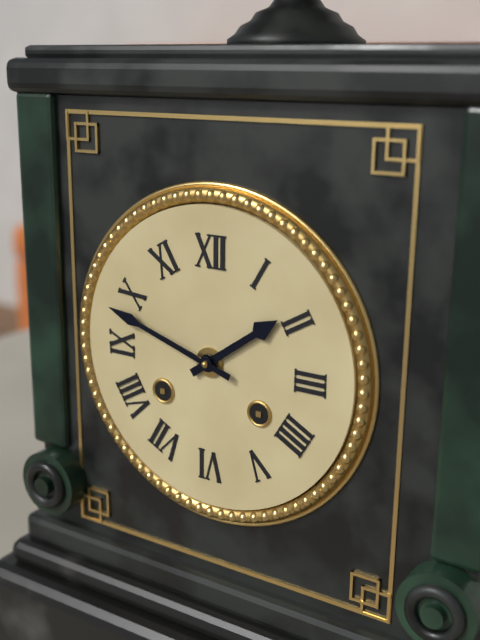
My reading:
1h48
